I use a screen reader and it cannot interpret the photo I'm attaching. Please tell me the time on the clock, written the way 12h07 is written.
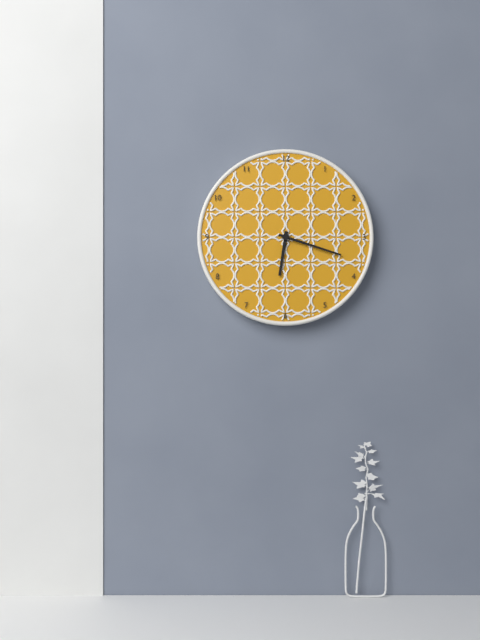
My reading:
6h18
